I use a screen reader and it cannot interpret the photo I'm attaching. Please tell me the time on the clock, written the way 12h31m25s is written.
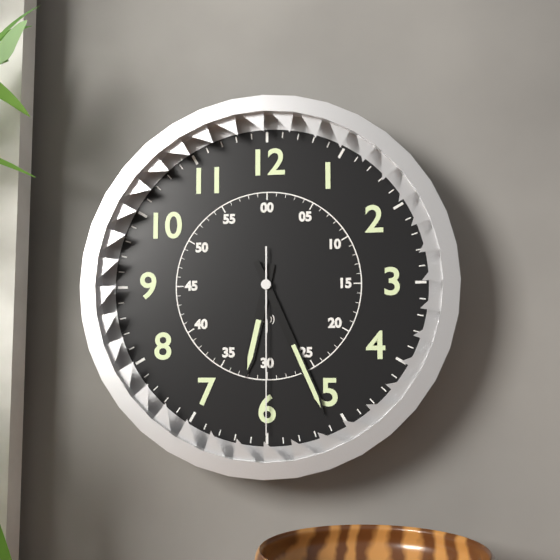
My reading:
6h26m30s
